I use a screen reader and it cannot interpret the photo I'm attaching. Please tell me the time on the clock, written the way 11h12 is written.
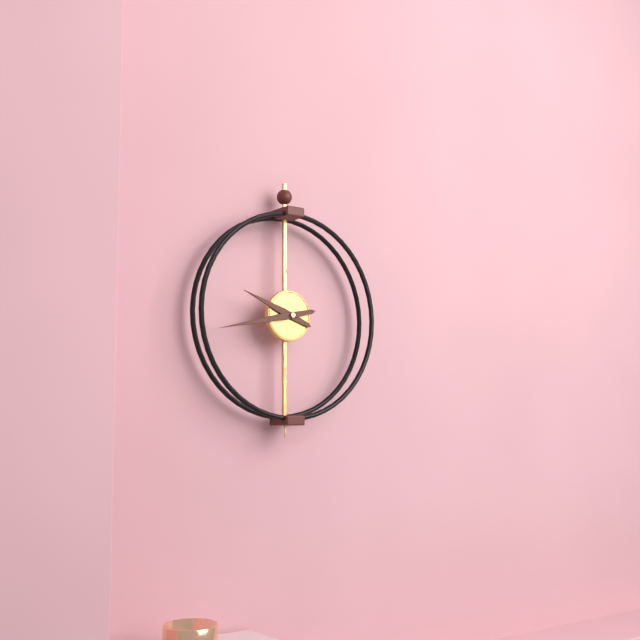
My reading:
9h43
